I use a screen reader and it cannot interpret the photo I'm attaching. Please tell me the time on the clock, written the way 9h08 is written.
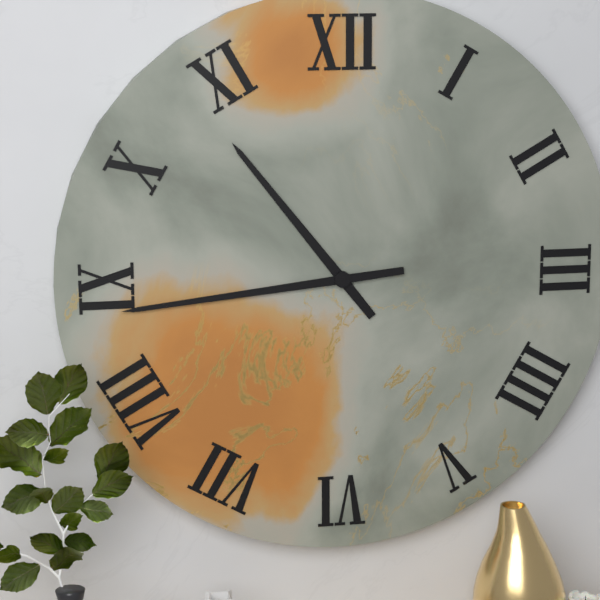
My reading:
10h44
